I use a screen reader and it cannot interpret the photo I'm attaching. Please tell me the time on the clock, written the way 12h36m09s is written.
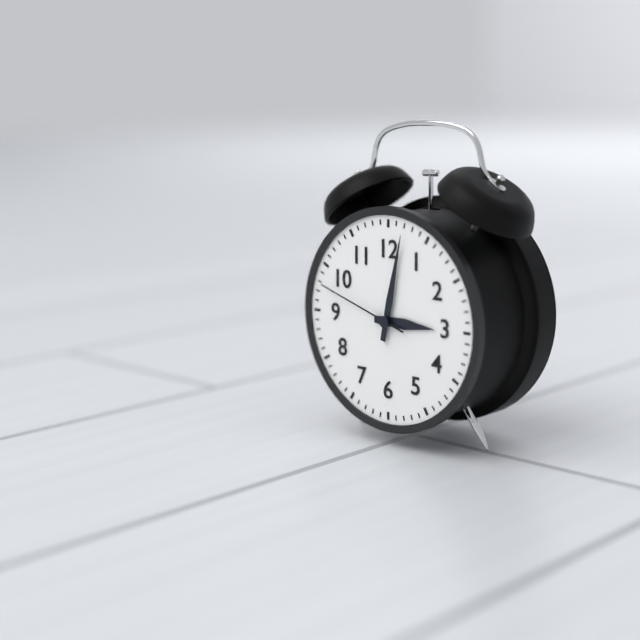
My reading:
3h02m48s
